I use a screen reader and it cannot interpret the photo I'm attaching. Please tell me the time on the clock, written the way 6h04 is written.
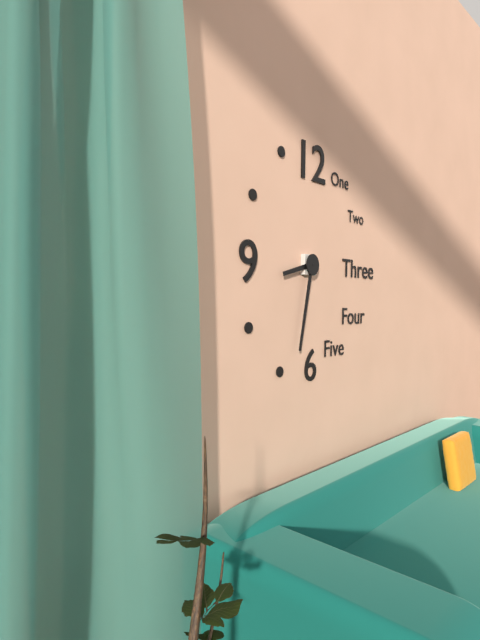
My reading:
8h32
